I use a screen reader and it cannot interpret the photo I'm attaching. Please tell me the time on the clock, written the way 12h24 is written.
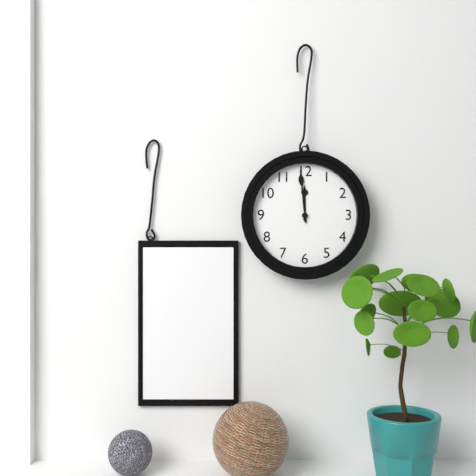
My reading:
11h59
